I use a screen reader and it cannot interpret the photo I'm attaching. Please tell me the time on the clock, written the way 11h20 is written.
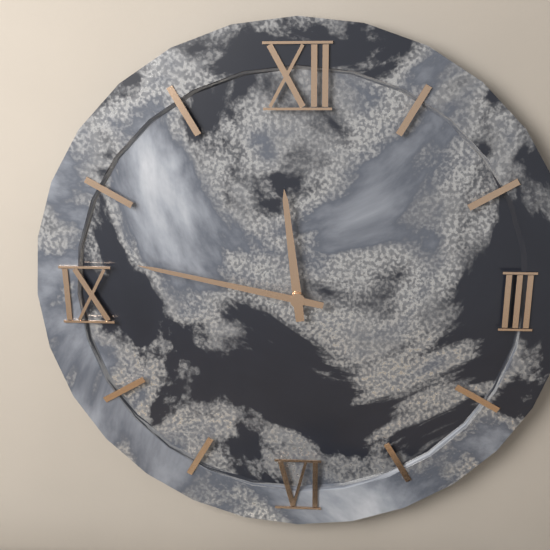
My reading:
11h47
